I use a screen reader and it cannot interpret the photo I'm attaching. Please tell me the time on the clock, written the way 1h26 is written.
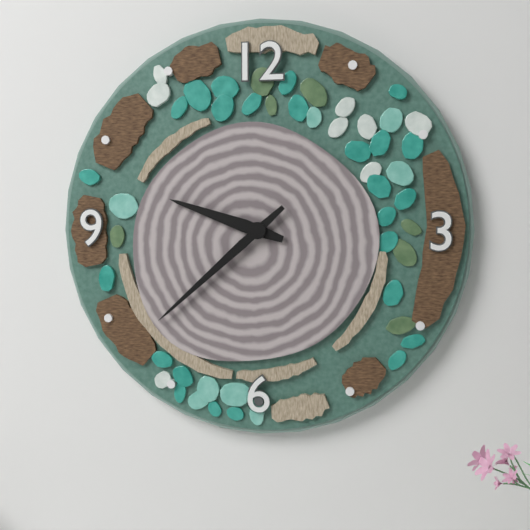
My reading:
9h38
